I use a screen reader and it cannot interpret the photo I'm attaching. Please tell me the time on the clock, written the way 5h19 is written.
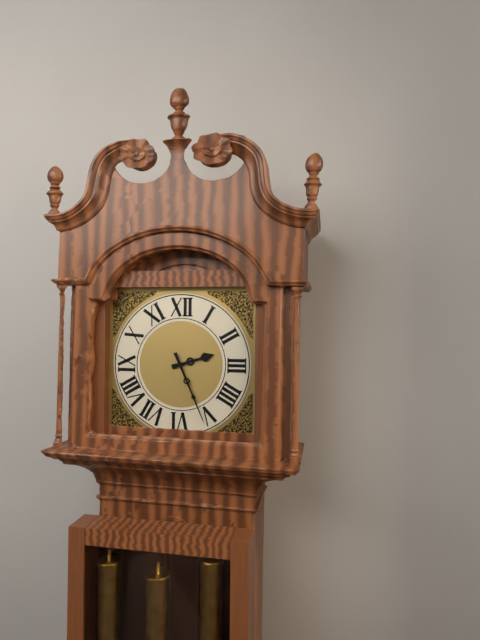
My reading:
2h26
